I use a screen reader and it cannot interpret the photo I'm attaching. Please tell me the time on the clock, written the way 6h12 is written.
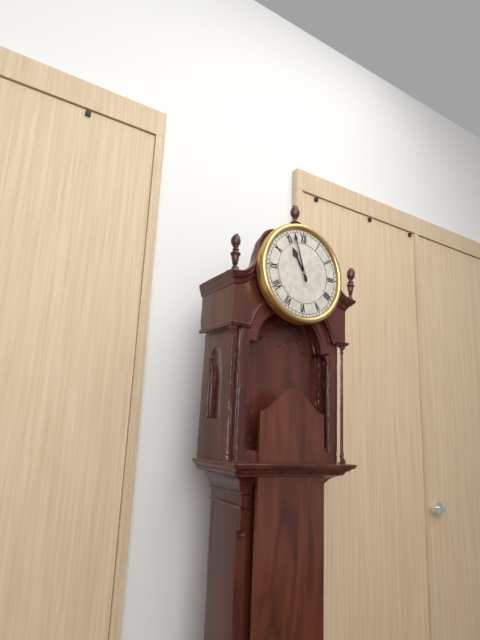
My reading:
10h57
